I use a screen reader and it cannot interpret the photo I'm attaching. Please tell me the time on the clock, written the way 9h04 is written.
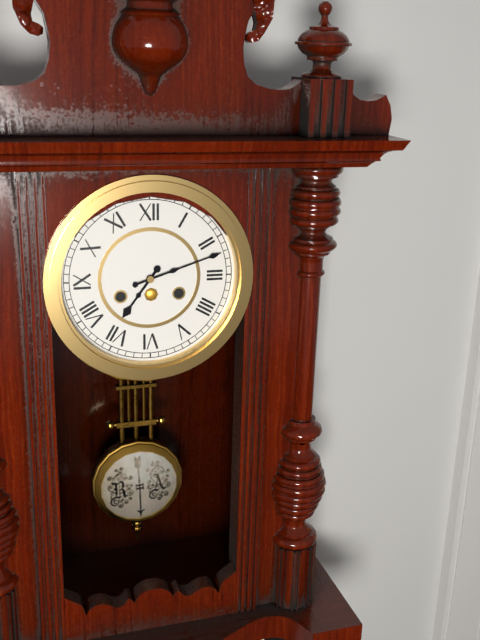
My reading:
7h12
